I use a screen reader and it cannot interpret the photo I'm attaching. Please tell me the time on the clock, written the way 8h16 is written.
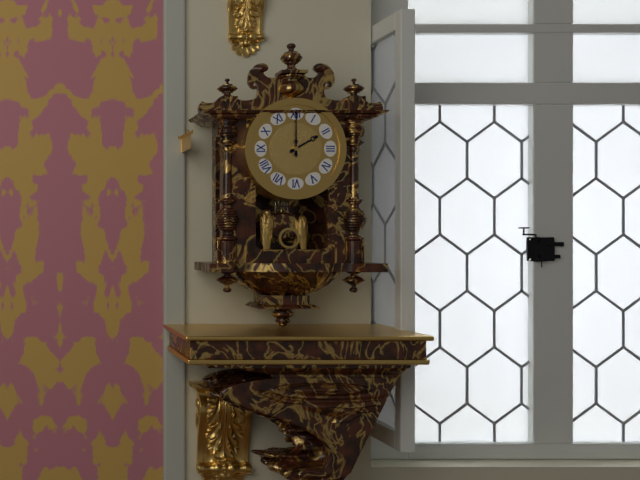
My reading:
2h00
